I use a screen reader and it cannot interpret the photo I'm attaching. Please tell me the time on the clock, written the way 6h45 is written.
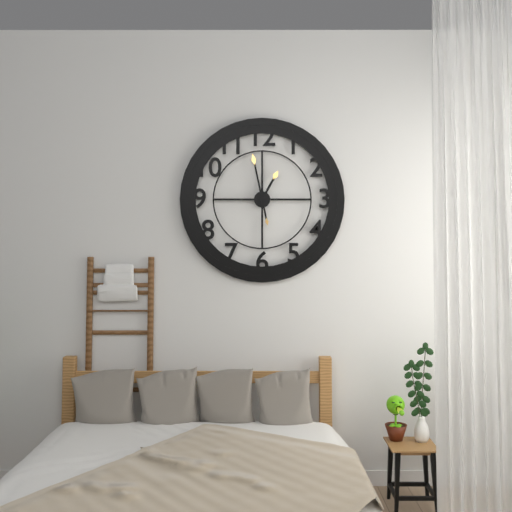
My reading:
12h58
